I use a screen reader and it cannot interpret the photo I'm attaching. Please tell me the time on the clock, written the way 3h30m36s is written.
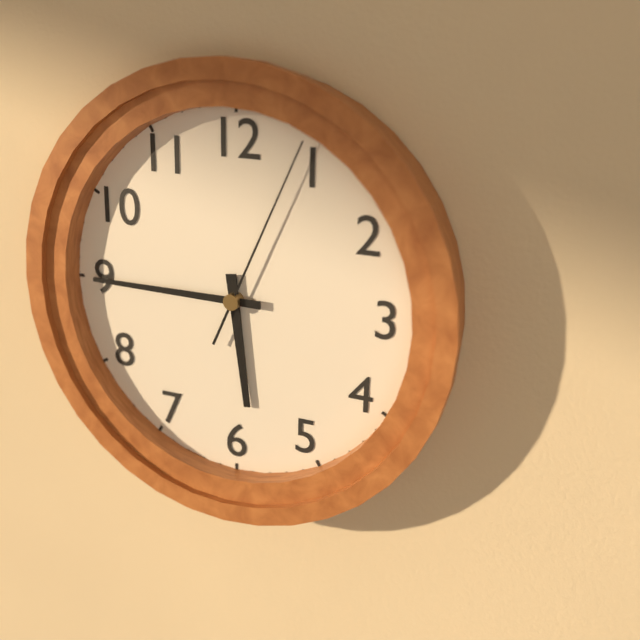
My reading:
5h45m04s
